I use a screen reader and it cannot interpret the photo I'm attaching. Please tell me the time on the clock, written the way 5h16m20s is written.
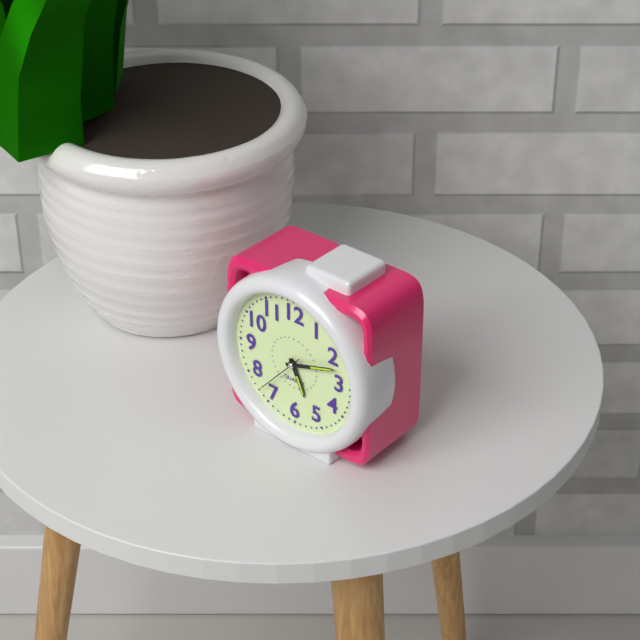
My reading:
5h12m37s
